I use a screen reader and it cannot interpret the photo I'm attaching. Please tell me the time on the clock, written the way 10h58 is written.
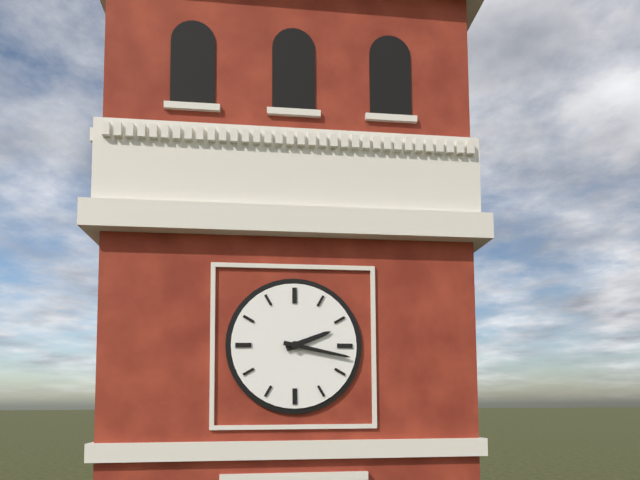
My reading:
2h17
